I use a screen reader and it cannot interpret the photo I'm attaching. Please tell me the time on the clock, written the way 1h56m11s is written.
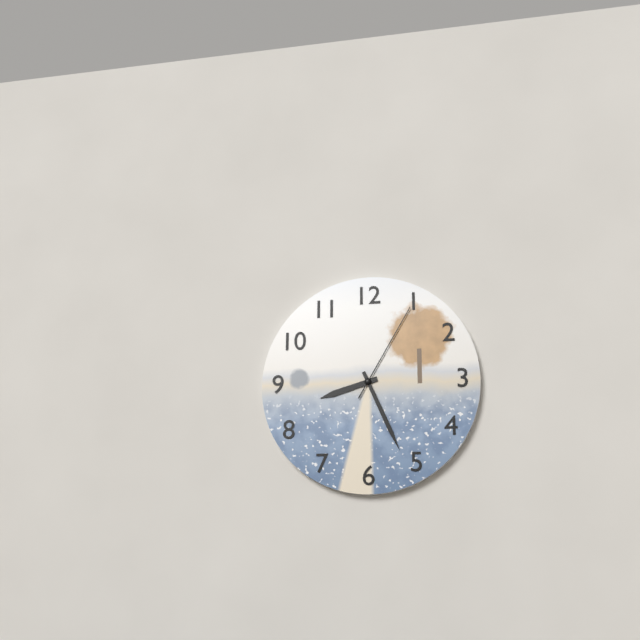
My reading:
8h26m05s
